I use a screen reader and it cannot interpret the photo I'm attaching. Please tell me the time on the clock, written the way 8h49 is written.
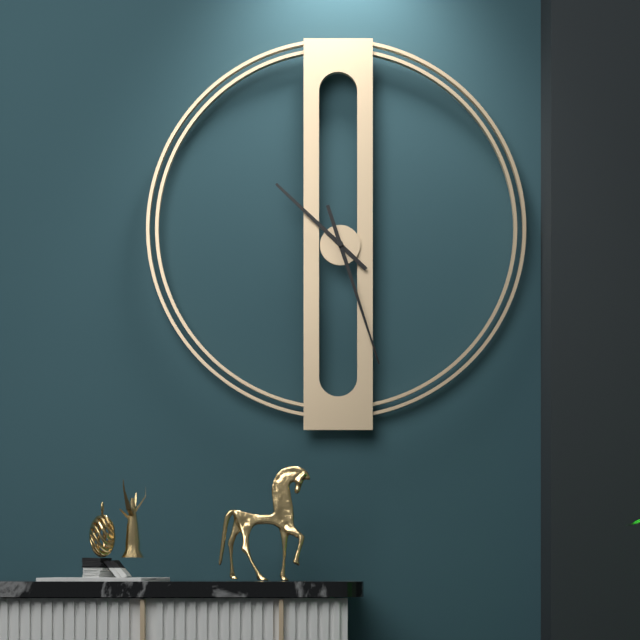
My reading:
10h27
